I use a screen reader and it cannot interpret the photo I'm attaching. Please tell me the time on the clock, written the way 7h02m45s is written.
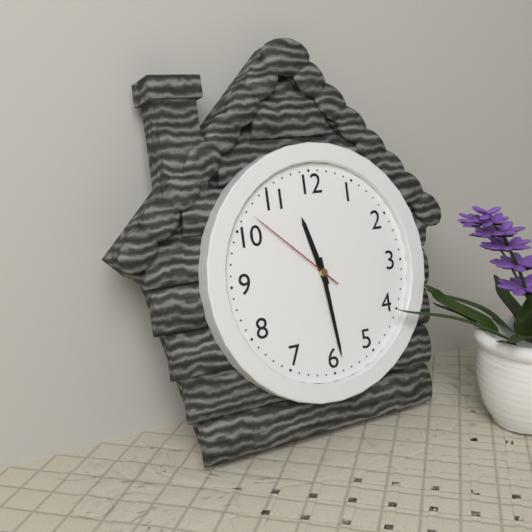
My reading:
11h29m52s
